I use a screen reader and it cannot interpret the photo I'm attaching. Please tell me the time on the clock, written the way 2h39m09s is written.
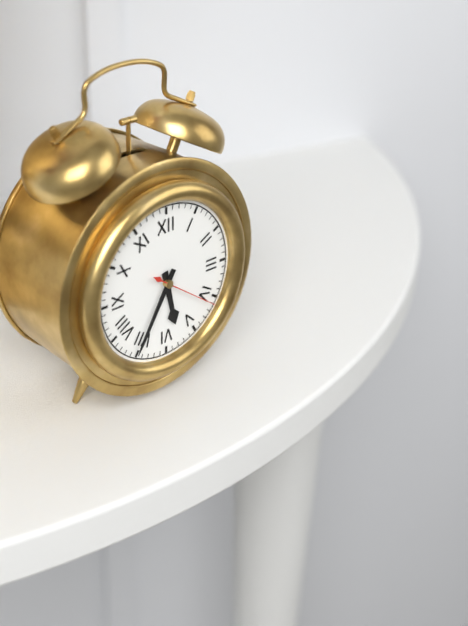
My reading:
5h35m21s
